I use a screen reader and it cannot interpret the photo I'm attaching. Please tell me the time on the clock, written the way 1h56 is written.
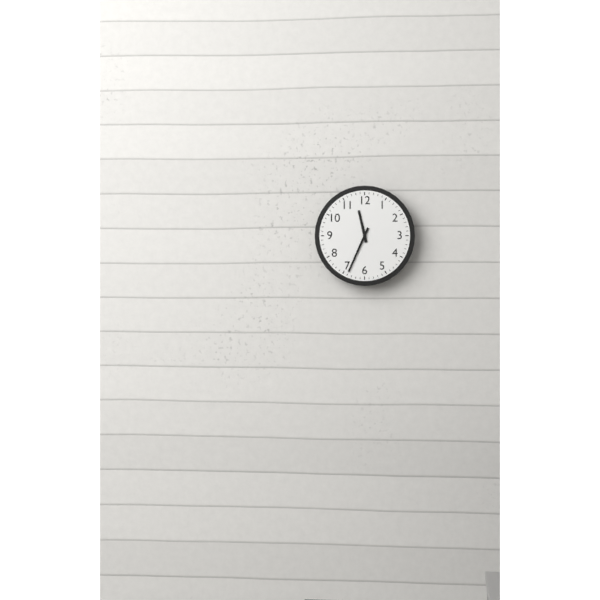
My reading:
11h34
